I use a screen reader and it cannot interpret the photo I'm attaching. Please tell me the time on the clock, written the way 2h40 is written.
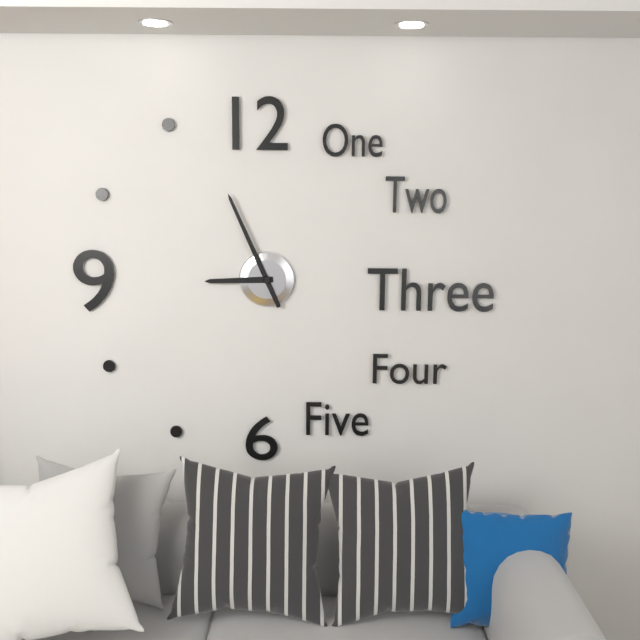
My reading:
8h56
